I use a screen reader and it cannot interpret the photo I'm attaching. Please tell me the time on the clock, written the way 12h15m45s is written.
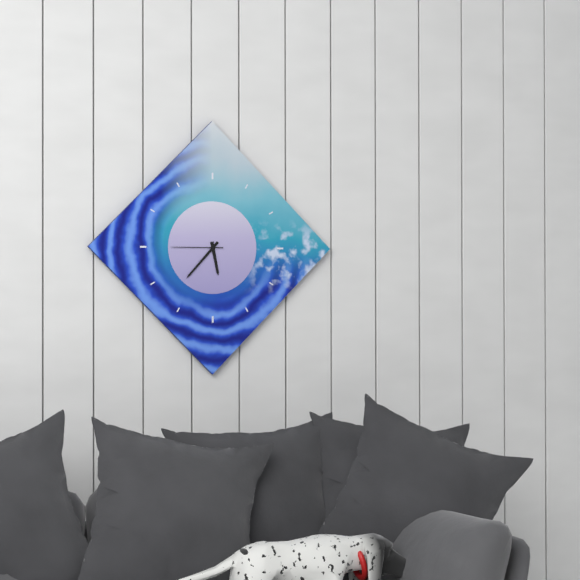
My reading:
5h37m45s
